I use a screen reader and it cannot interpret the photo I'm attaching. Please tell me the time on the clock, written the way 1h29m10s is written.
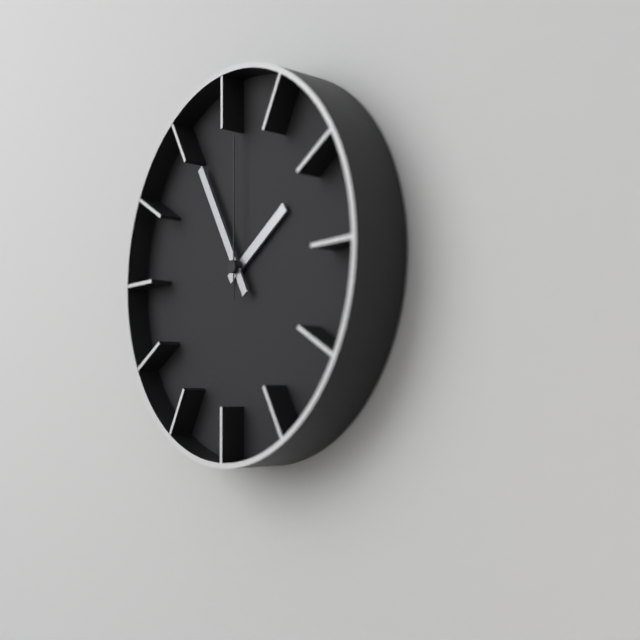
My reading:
1h55m00s
